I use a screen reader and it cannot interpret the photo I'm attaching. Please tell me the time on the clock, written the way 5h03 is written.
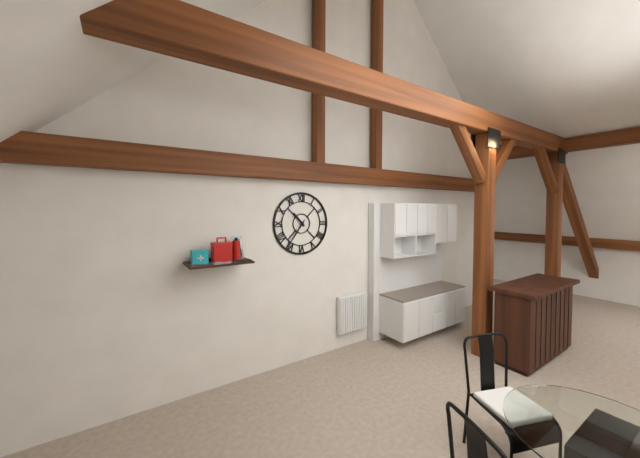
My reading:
10h36
